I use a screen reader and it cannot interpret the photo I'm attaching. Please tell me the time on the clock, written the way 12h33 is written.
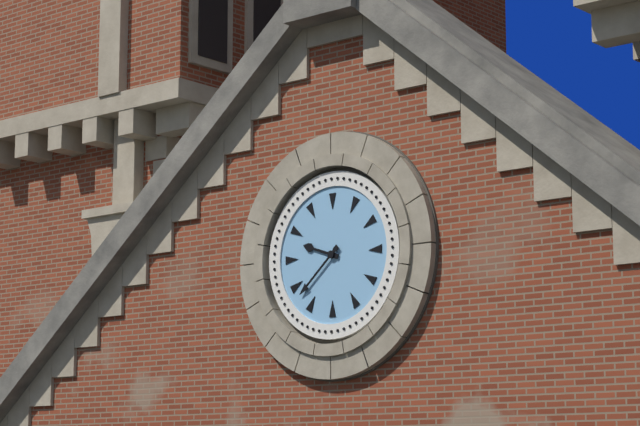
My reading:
9h38
